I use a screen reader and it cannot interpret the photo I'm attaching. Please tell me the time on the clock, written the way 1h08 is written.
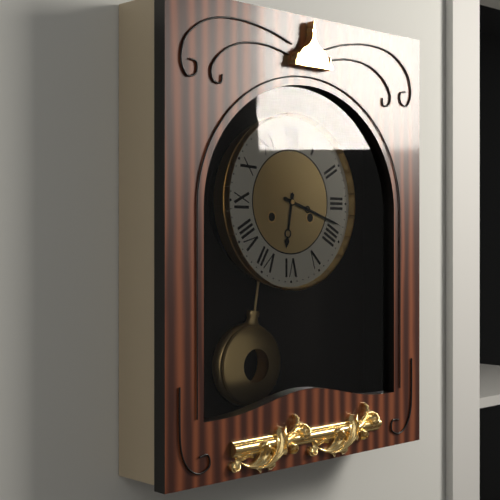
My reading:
6h18
